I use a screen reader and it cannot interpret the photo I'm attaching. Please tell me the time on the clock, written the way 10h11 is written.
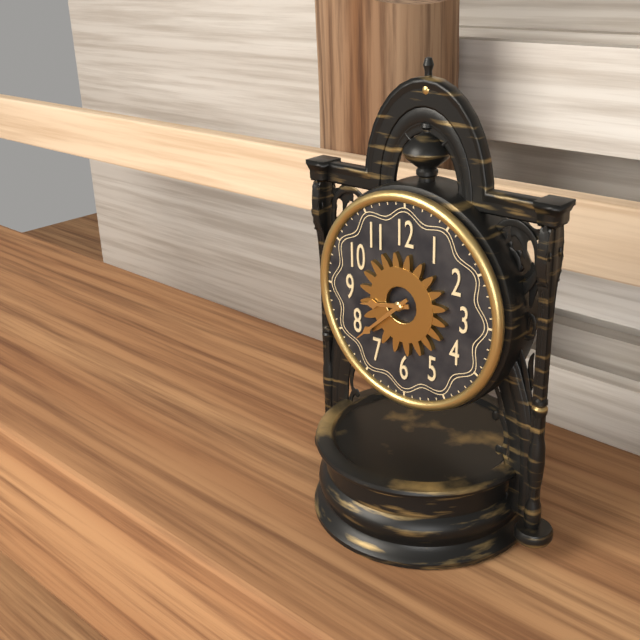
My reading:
8h38
